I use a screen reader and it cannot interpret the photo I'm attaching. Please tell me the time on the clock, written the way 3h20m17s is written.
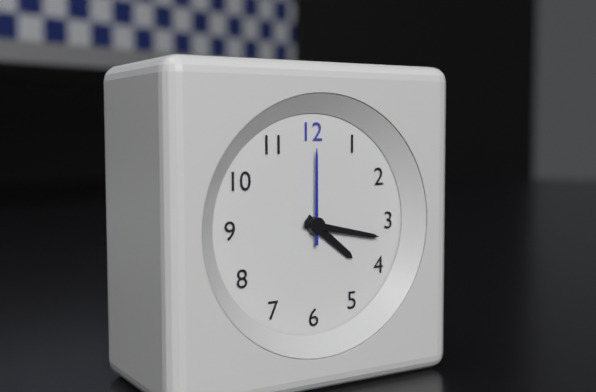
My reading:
4h17m00s
